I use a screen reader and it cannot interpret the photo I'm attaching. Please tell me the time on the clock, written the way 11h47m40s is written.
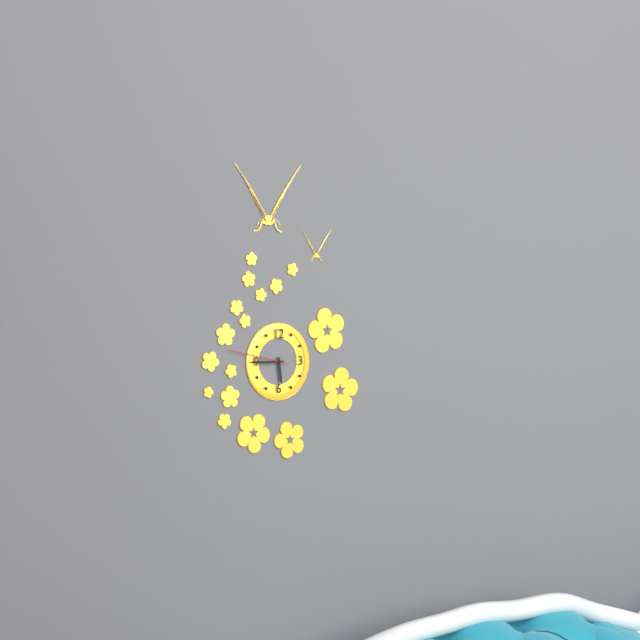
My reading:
5h45m47s
